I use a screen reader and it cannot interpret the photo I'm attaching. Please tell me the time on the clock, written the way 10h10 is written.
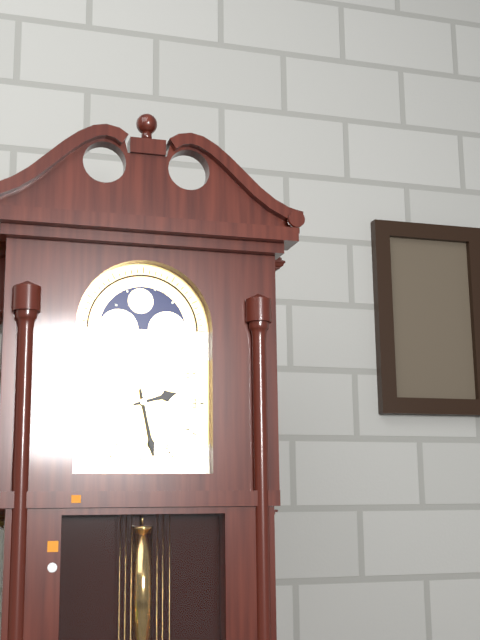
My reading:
2h28
